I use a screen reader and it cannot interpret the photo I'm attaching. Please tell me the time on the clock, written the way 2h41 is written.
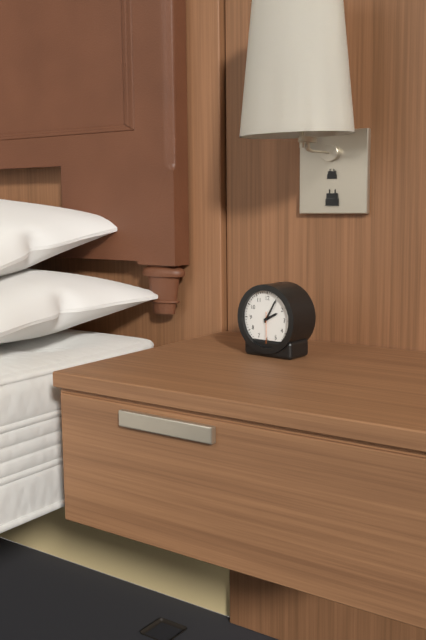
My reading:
2h05
